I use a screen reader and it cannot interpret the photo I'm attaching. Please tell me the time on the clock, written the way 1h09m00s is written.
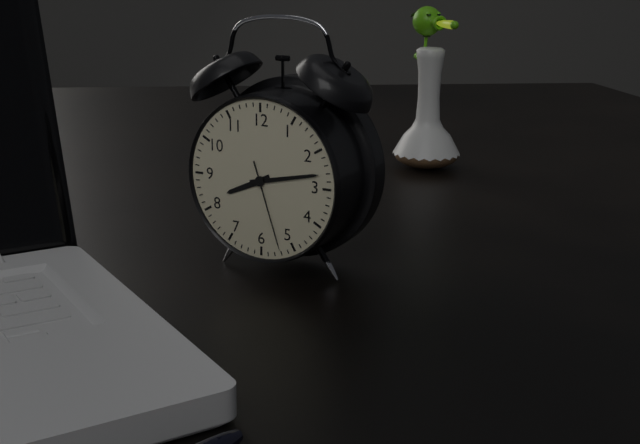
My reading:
8h13m27s
